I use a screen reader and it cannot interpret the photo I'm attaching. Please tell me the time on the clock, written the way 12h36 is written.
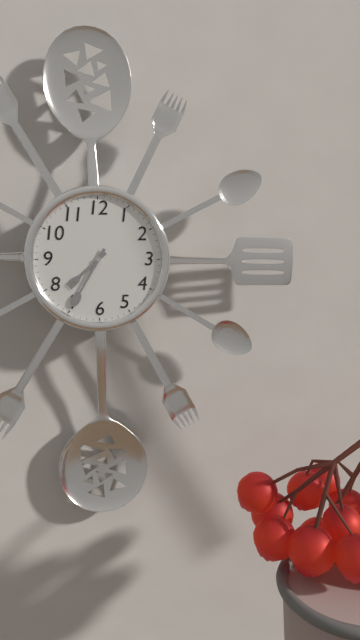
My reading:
7h35
